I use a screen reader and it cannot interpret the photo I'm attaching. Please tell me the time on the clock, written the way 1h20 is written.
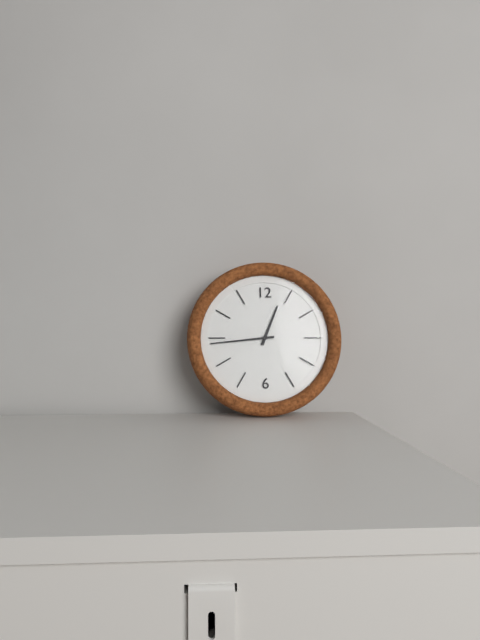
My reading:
12h44
